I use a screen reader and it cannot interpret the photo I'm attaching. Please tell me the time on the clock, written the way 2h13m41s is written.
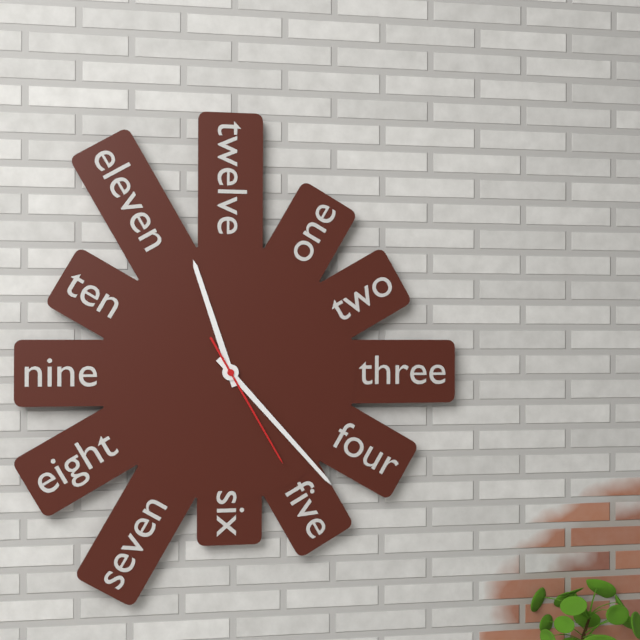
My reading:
11h23m25s
